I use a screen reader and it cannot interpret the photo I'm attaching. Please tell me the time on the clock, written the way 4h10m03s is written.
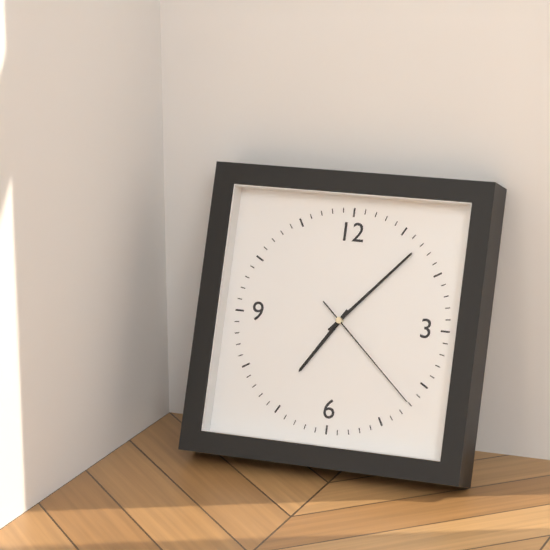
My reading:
7h07m22s
